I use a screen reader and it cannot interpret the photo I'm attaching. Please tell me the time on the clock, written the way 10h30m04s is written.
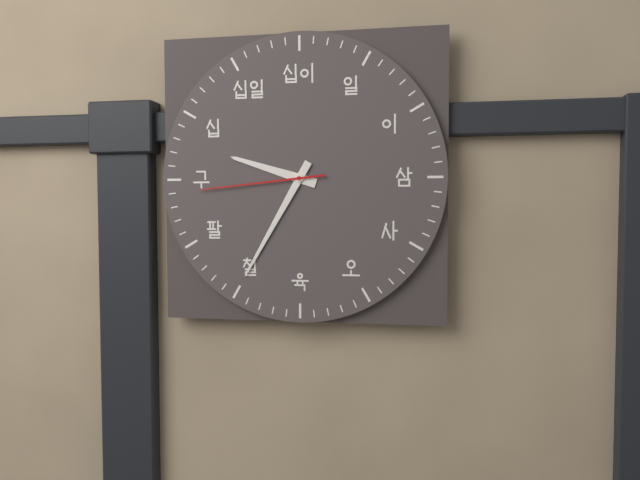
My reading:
9h35m44s
